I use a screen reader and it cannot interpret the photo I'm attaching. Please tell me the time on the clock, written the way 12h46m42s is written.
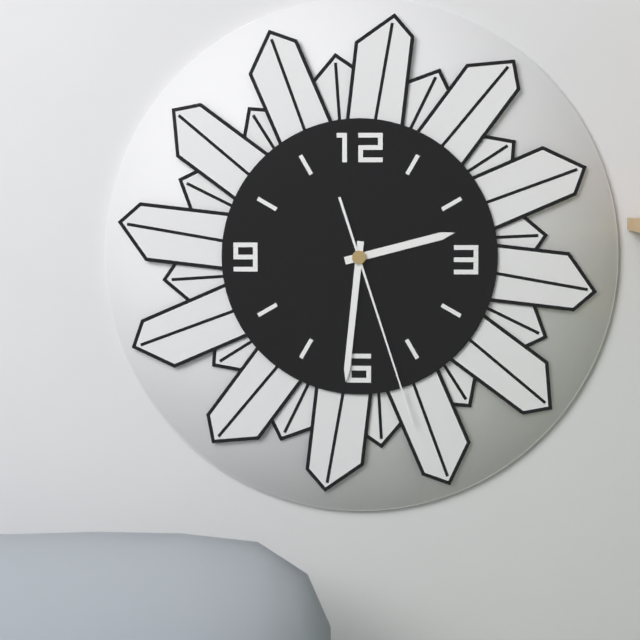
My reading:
2h31m27s
